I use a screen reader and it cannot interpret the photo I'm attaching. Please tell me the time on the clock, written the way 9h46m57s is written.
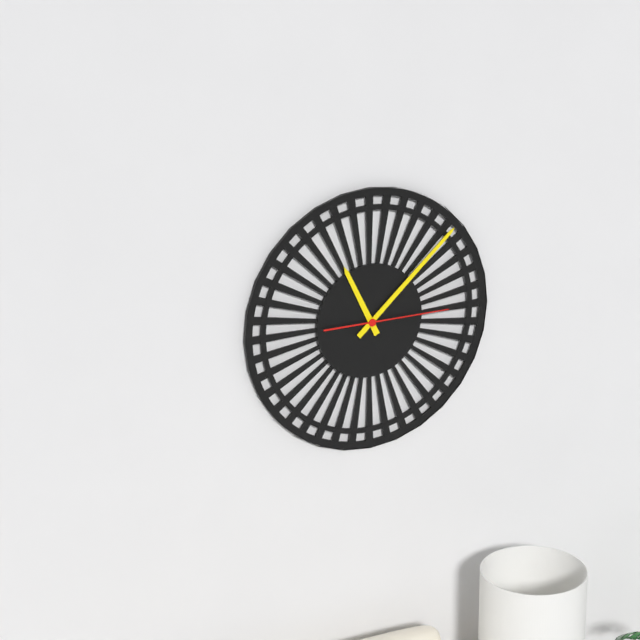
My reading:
11h08m15s
